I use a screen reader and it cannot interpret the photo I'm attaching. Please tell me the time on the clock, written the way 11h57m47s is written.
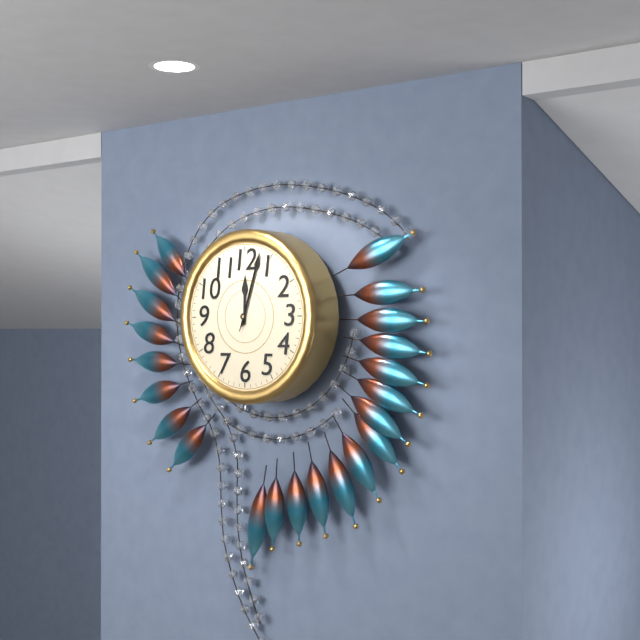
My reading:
12h03m03s
